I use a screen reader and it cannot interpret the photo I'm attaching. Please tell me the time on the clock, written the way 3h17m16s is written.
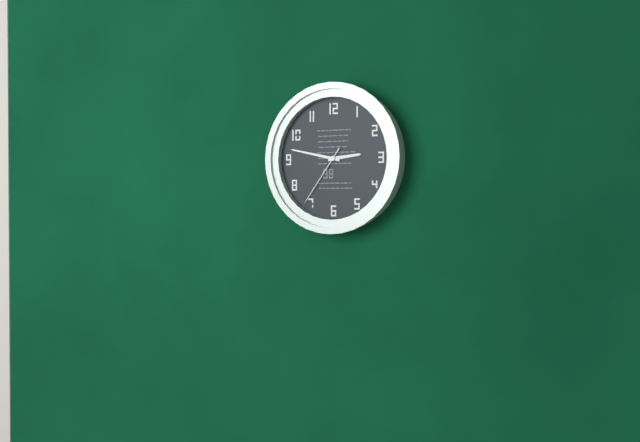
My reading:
2h47m36s
